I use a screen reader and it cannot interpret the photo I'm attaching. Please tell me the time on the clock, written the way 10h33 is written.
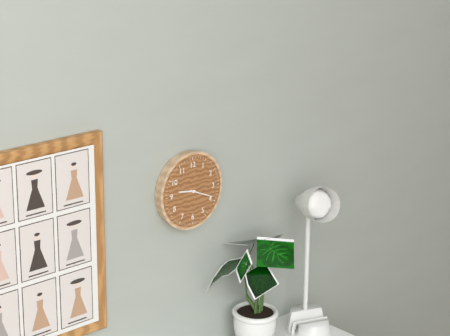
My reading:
9h19
